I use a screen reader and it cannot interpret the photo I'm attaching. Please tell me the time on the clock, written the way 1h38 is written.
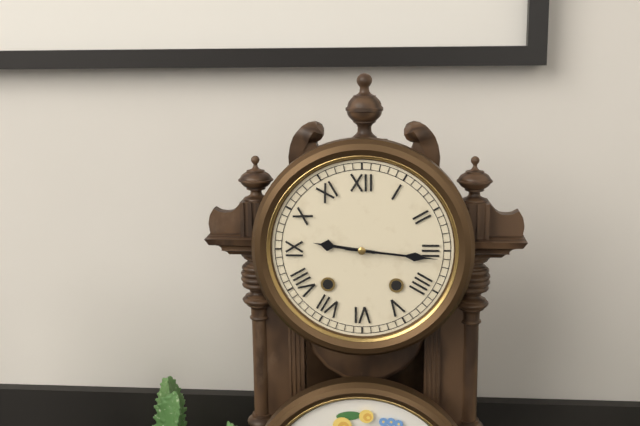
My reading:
9h16
